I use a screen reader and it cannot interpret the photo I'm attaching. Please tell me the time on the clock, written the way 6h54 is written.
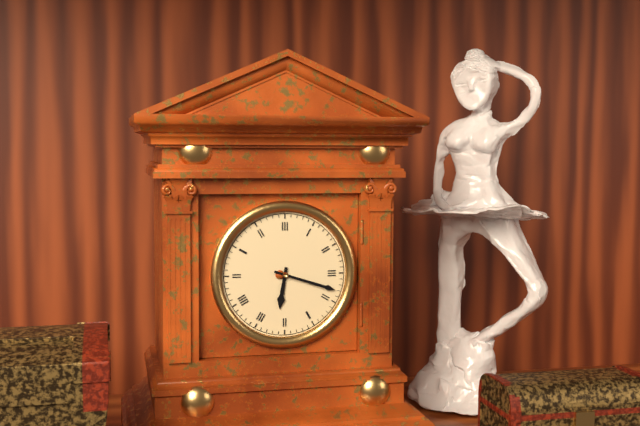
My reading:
6h18
